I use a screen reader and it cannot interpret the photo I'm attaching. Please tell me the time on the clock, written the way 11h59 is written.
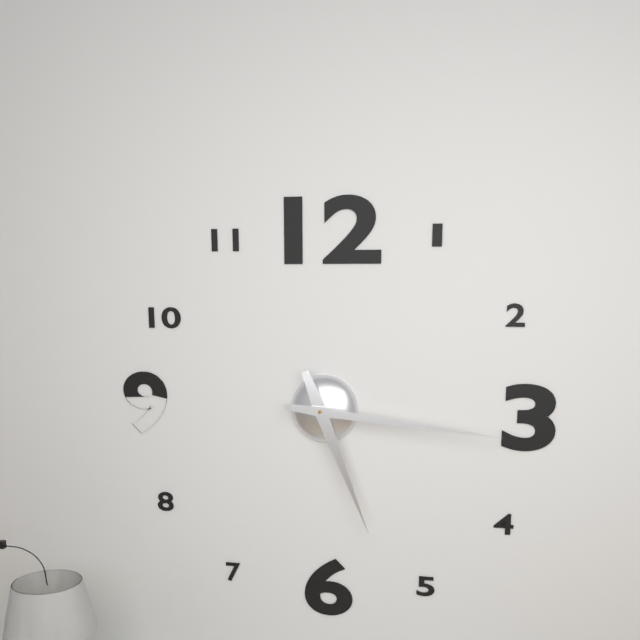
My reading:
5h16
